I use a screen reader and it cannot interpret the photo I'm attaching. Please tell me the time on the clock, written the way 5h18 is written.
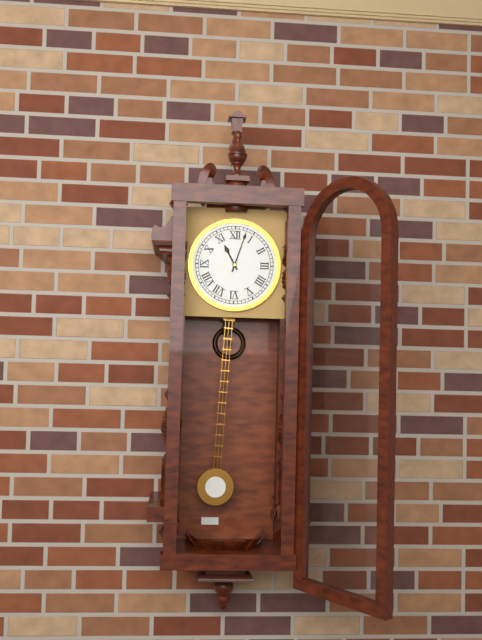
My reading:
11h03
